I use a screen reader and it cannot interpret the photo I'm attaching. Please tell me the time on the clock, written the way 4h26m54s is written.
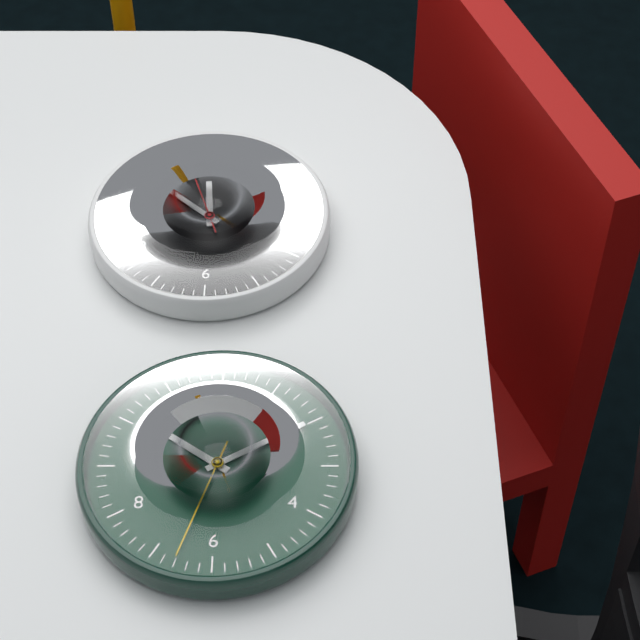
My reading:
11h52m57s
